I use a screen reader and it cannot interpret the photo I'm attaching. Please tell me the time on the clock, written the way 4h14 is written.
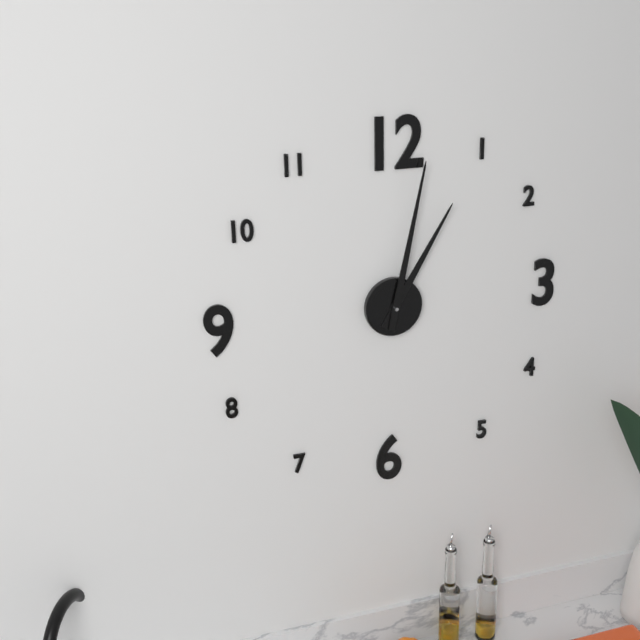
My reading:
1h02
